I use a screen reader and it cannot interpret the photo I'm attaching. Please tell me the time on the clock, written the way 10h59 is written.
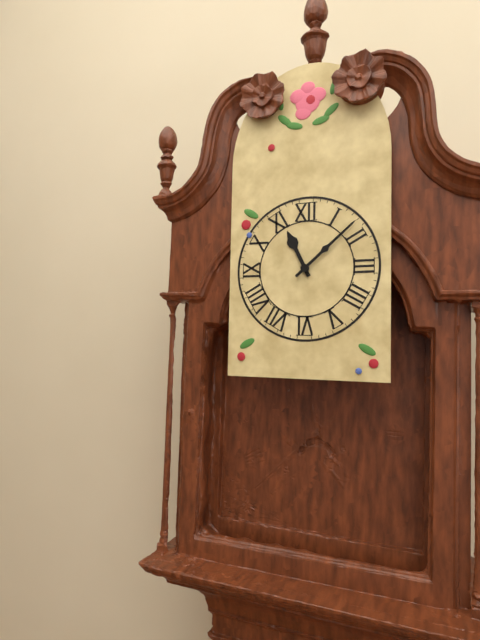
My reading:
11h08
